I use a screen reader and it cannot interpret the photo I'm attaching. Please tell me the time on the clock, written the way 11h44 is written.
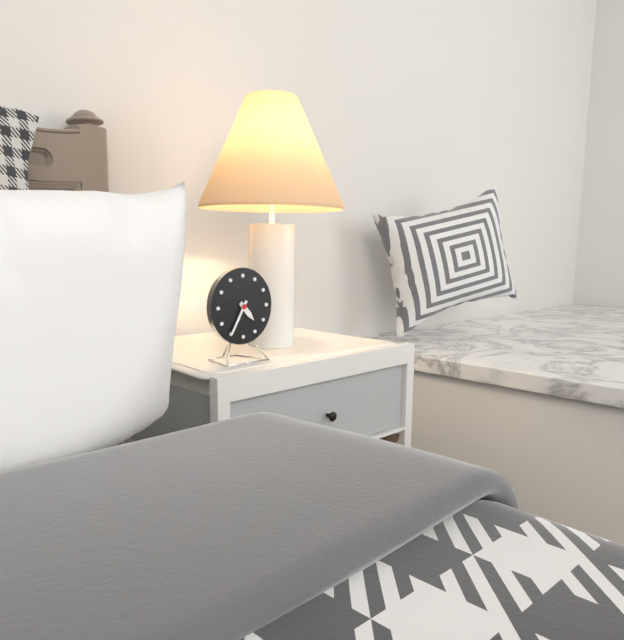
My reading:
4h35
